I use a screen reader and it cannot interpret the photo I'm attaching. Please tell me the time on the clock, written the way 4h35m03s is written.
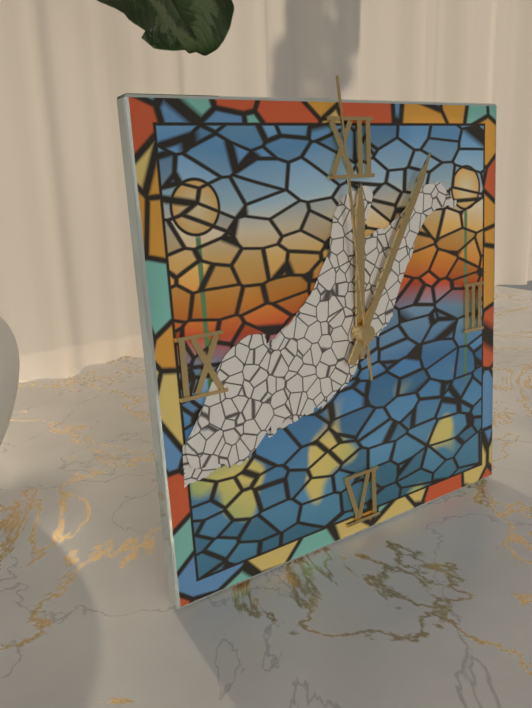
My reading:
12h05m59s
